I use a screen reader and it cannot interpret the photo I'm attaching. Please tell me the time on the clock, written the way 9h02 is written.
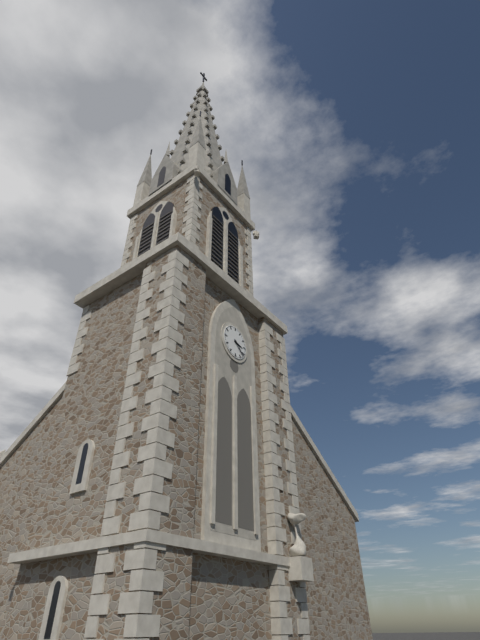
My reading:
3h22
